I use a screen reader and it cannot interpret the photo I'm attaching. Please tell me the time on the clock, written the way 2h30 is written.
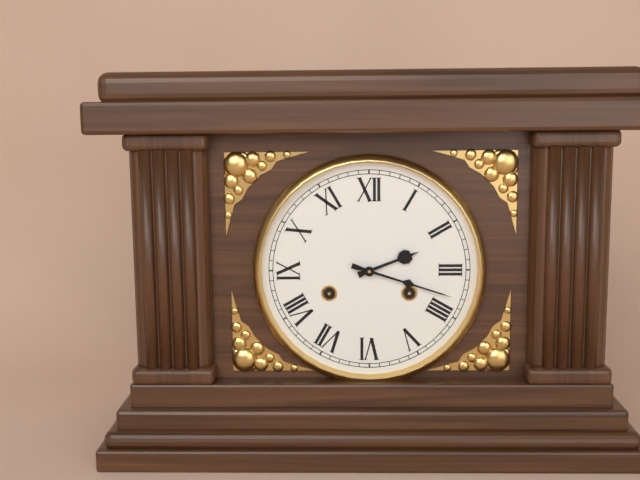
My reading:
2h18
